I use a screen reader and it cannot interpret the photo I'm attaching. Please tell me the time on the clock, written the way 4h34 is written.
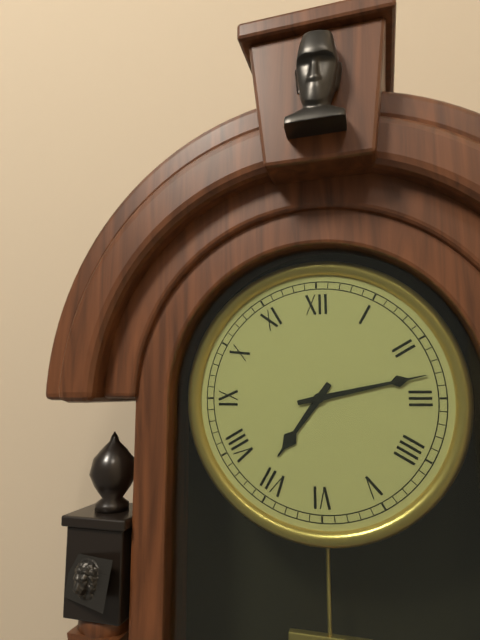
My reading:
7h13
